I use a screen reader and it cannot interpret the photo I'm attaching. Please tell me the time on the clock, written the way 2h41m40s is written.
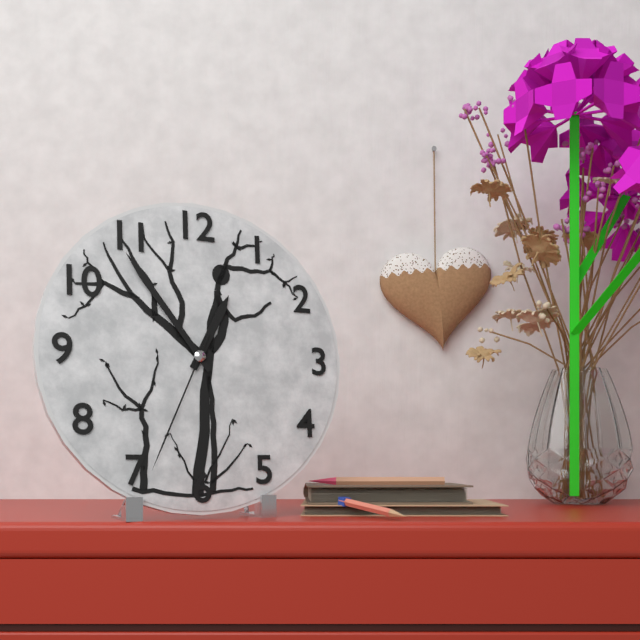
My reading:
12h54m34s
